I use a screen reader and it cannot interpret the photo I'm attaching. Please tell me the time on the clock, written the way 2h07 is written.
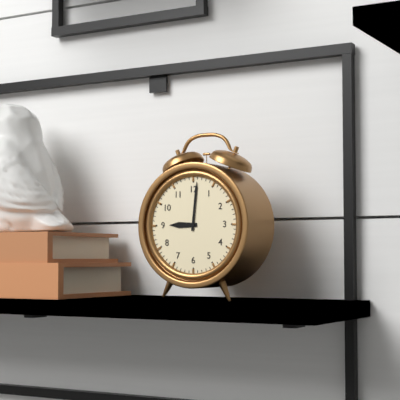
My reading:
9h01
